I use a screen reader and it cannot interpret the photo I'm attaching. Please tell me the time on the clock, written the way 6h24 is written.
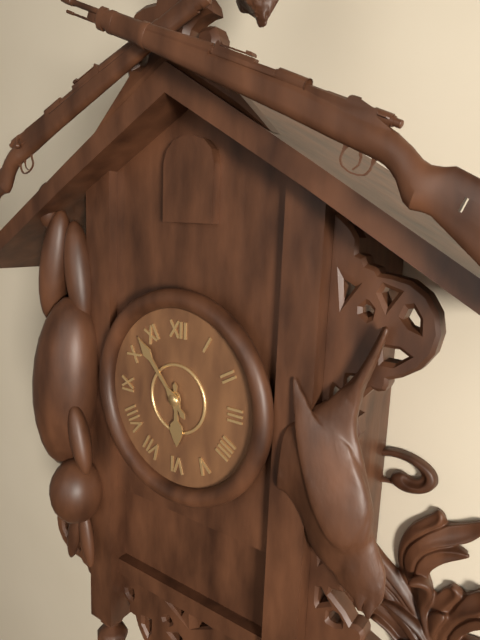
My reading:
5h53
